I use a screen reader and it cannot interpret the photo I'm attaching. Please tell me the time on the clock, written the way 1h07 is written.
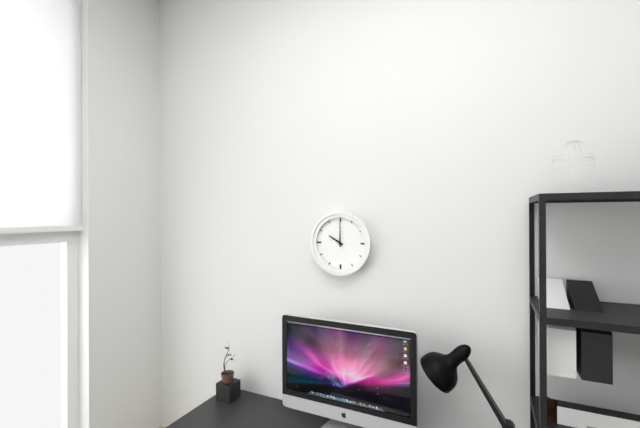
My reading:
10h00
